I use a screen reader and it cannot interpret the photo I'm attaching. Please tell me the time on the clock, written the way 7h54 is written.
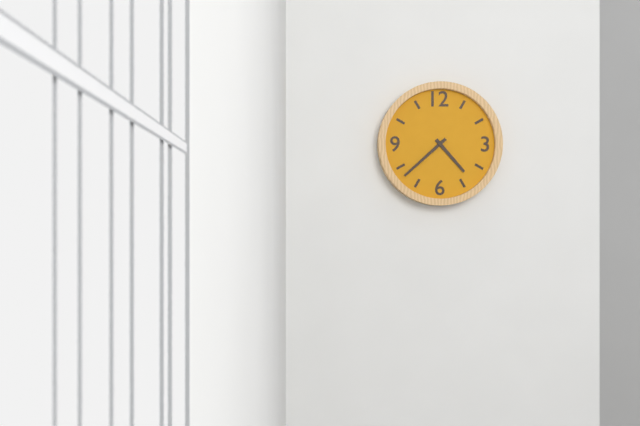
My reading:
4h38
